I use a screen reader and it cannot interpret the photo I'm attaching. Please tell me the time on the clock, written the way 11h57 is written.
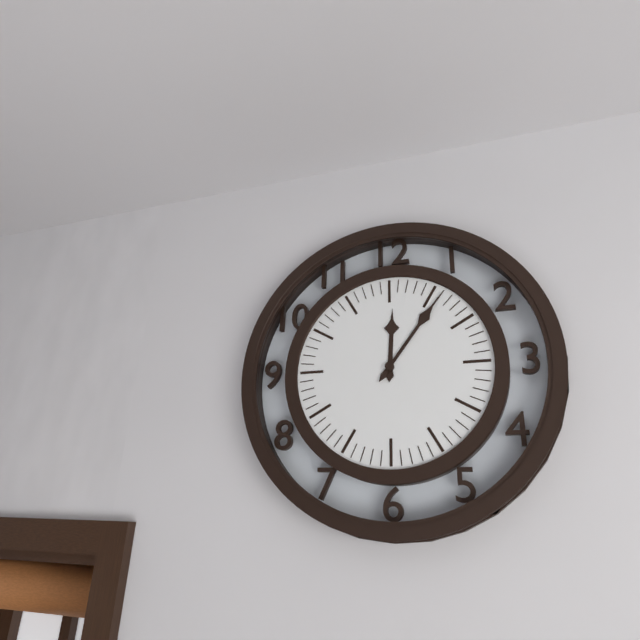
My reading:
12h06
